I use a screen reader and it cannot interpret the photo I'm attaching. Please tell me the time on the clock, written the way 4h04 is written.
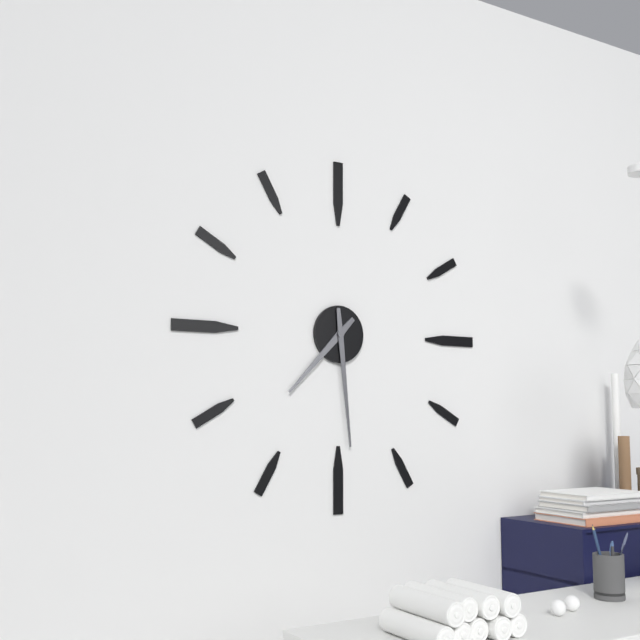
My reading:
7h29
